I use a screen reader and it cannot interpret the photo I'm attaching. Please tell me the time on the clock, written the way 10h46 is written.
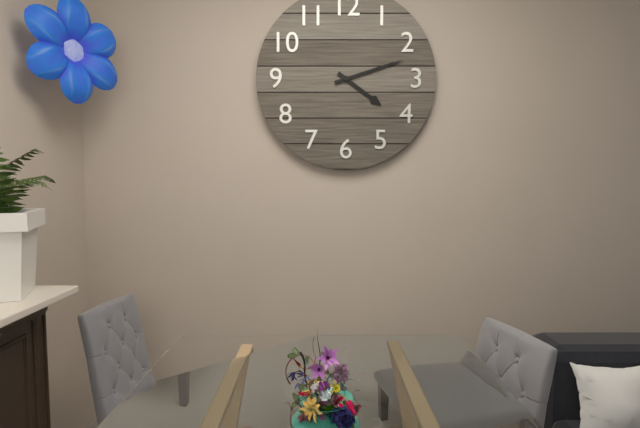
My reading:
4h12
